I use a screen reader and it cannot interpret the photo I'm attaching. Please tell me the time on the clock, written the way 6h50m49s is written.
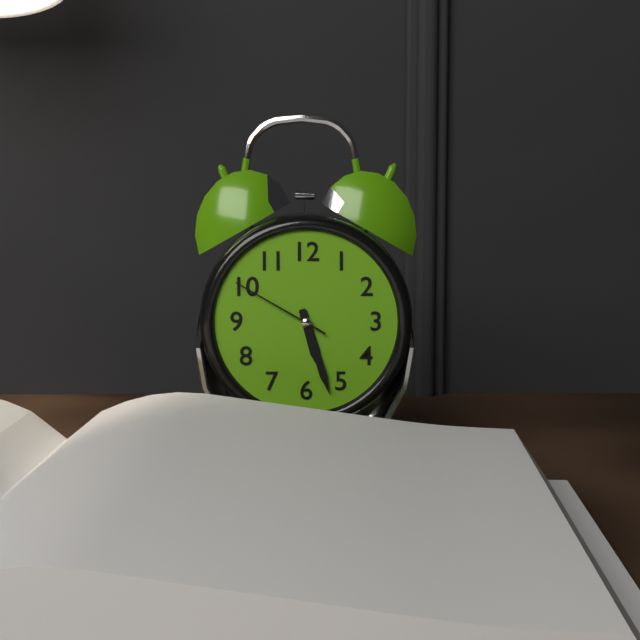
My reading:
5h27m50s
